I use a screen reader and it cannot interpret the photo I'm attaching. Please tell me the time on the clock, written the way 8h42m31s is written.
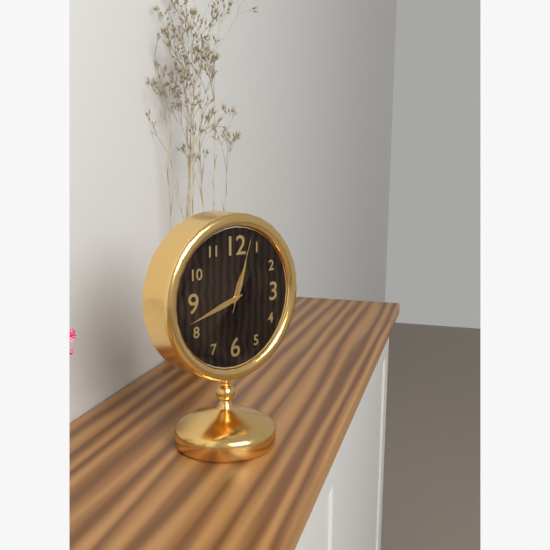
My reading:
12h42m03s
